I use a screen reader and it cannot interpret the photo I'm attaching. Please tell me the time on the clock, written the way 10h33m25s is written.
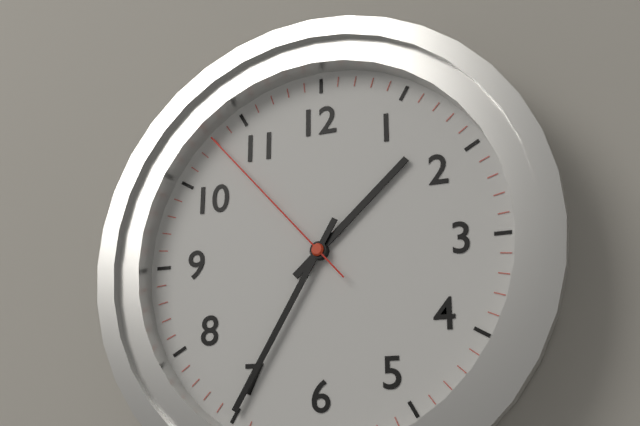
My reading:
1h35m53s
